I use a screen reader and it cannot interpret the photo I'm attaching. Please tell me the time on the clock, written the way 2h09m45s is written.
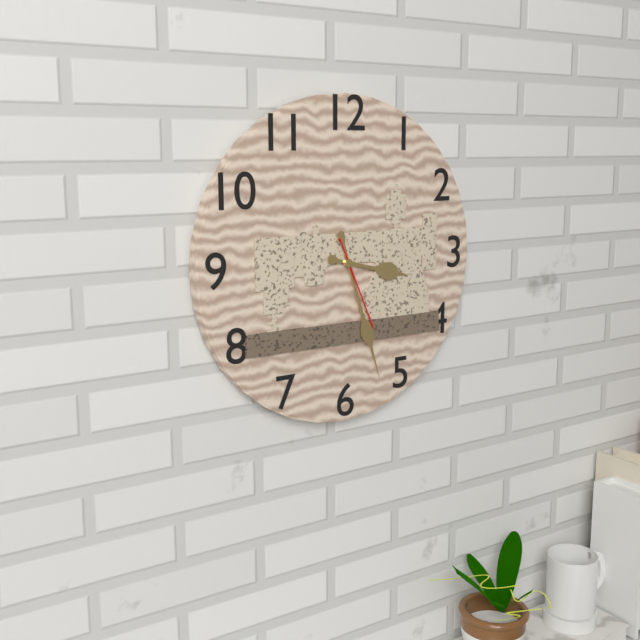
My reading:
3h27m26s
